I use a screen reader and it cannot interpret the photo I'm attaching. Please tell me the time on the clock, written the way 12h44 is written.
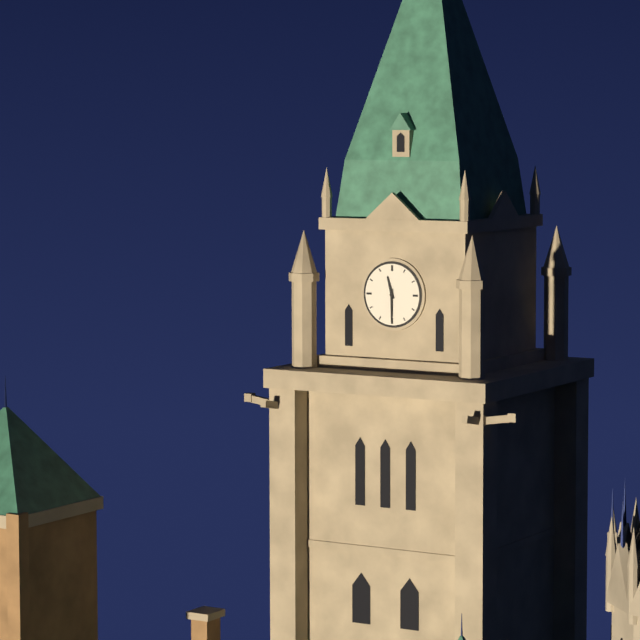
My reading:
11h30
